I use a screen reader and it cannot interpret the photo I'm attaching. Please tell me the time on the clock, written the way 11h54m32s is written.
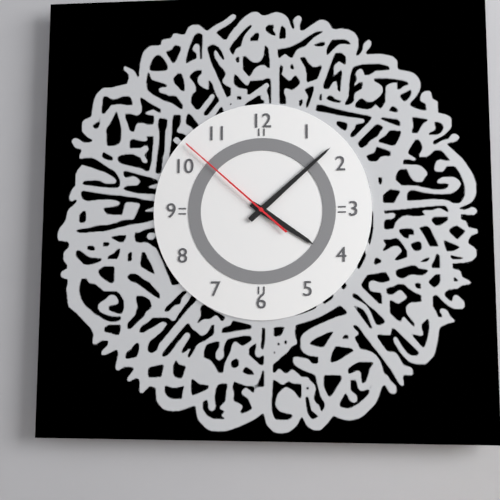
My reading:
4h08m52s
